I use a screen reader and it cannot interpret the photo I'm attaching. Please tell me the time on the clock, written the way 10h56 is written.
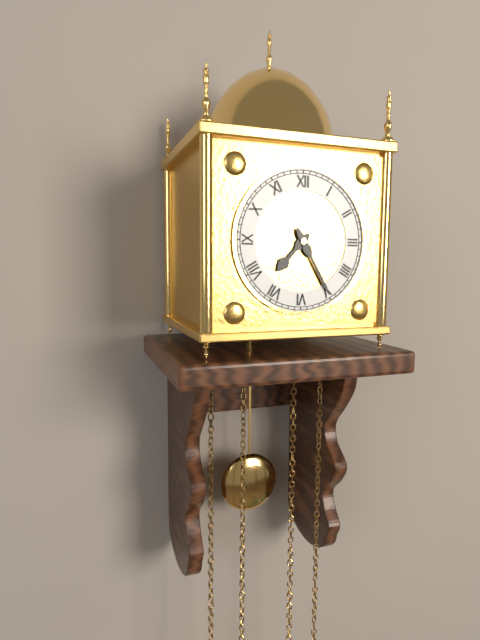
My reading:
7h25
